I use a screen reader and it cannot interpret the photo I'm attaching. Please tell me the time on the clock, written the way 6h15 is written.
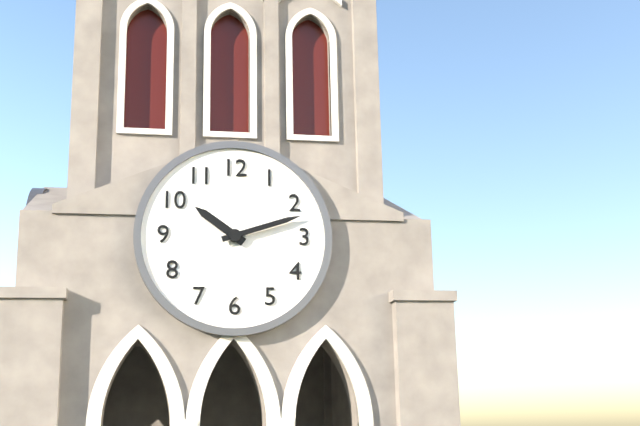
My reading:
10h12
